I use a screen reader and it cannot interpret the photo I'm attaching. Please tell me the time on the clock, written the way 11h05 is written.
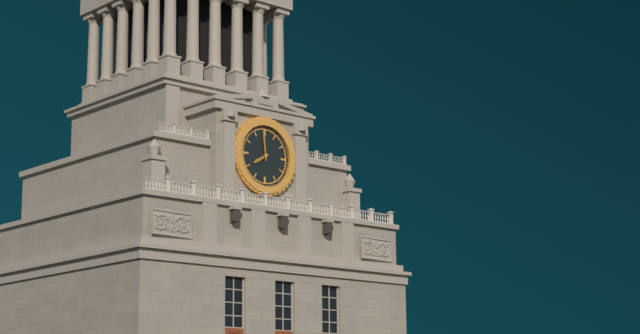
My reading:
7h59
